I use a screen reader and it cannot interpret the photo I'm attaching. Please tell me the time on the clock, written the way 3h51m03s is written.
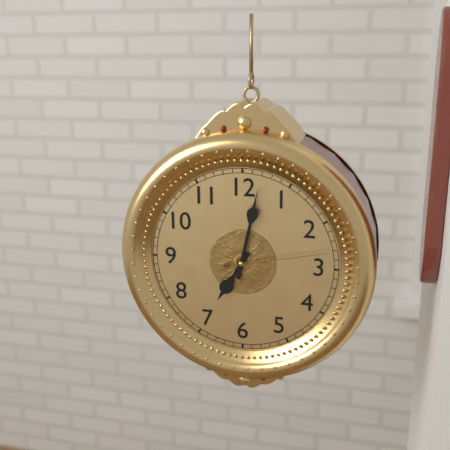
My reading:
7h02m13s
